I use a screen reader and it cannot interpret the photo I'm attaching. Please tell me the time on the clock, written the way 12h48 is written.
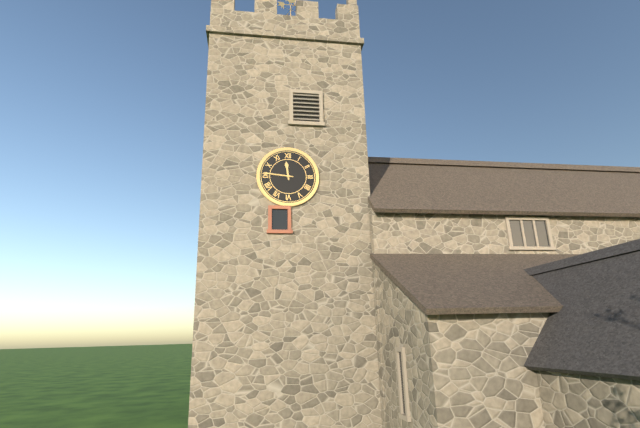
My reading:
11h46
